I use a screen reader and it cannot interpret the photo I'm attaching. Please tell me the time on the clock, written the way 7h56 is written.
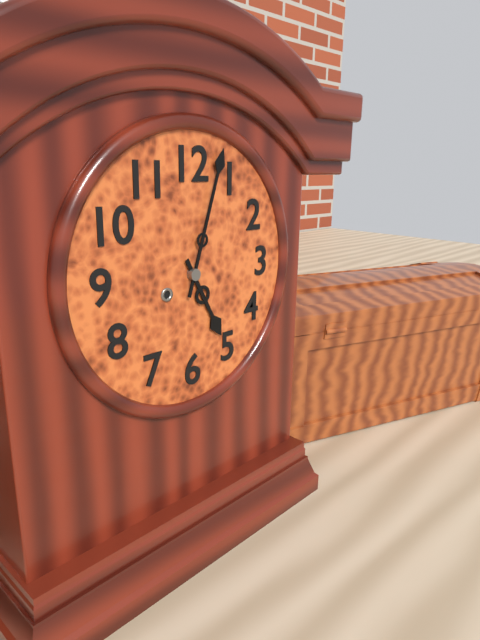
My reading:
5h03
